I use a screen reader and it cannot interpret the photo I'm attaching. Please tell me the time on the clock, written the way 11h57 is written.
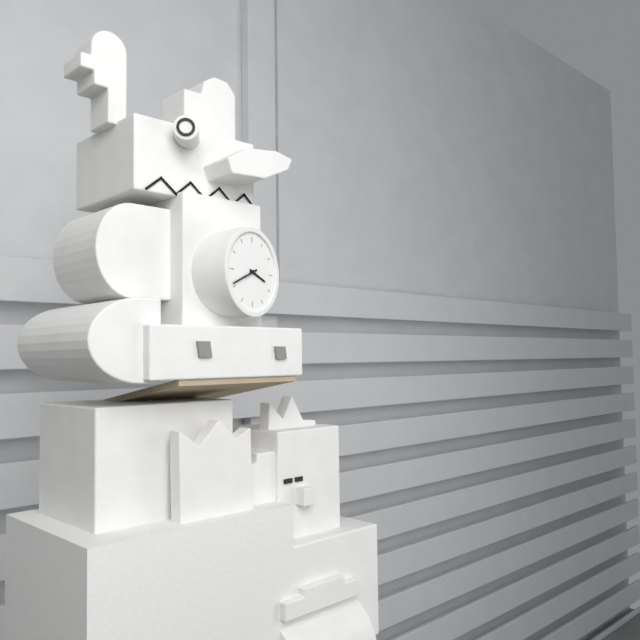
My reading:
3h41
